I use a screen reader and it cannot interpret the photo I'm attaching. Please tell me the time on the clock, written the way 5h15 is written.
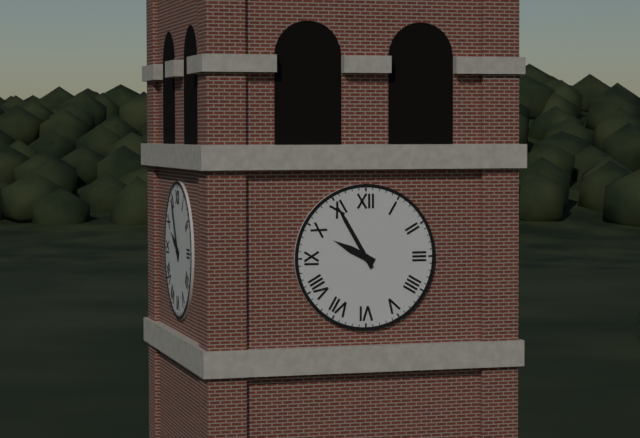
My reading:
9h55
